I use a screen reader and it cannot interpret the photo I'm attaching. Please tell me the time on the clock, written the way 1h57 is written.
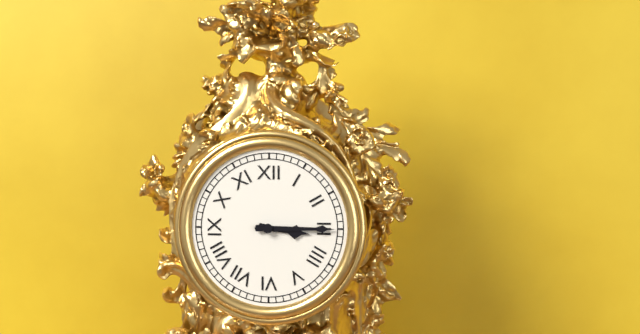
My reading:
3h15
